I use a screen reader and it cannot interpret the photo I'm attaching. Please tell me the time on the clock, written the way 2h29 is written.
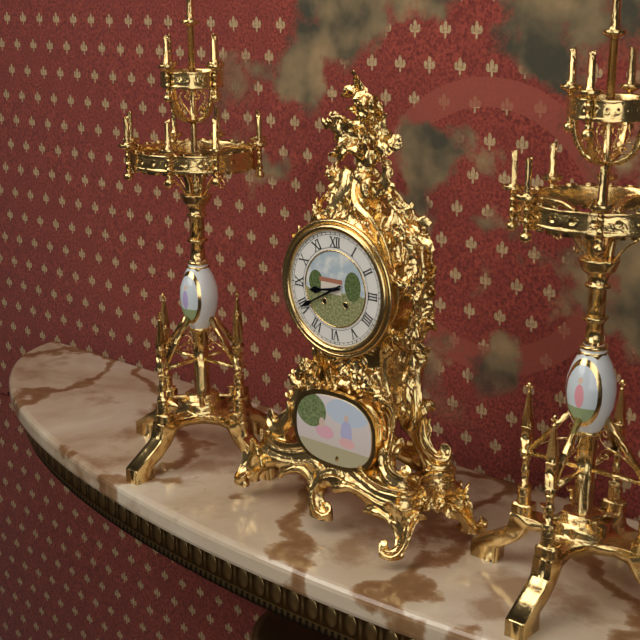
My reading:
8h40
